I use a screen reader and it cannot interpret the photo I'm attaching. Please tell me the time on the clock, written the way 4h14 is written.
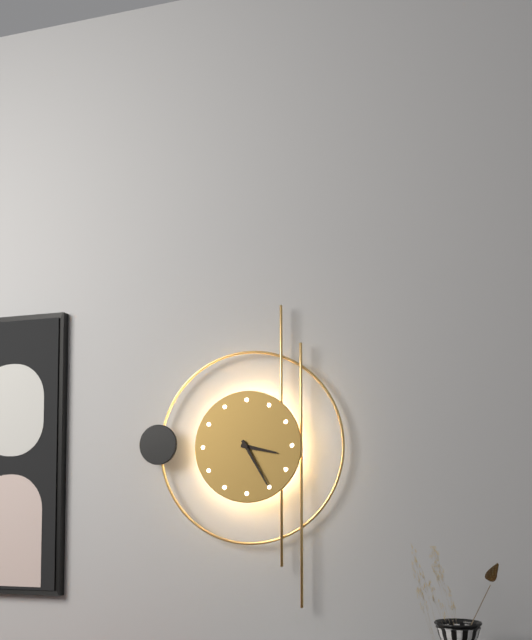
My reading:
3h25
